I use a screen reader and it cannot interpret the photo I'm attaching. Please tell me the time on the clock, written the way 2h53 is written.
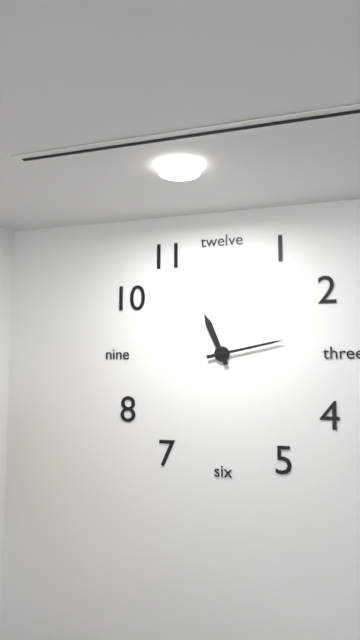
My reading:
11h13
